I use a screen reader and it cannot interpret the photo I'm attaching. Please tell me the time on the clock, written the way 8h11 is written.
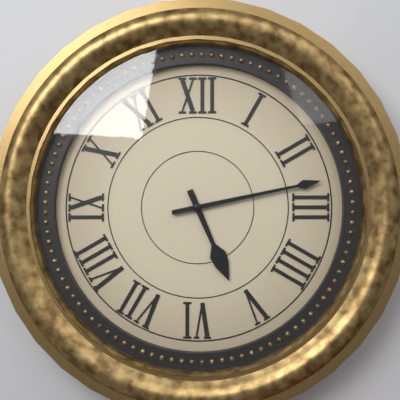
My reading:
5h13
